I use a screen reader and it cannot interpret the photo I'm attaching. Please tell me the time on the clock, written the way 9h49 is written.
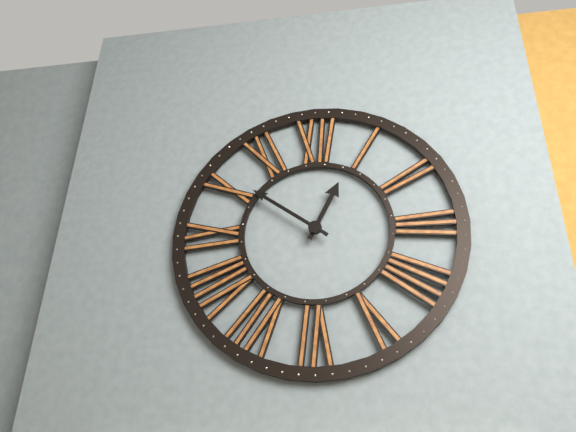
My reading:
12h51
